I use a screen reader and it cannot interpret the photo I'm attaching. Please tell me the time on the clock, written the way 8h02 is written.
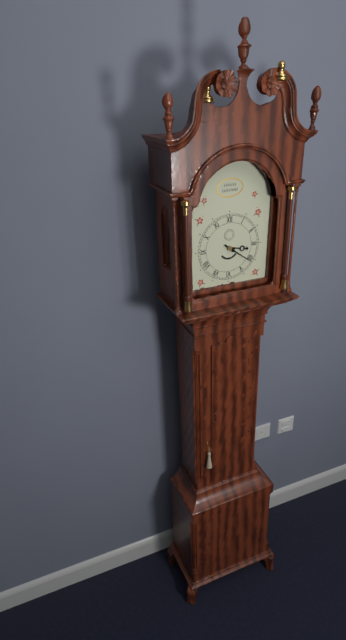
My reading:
3h21
